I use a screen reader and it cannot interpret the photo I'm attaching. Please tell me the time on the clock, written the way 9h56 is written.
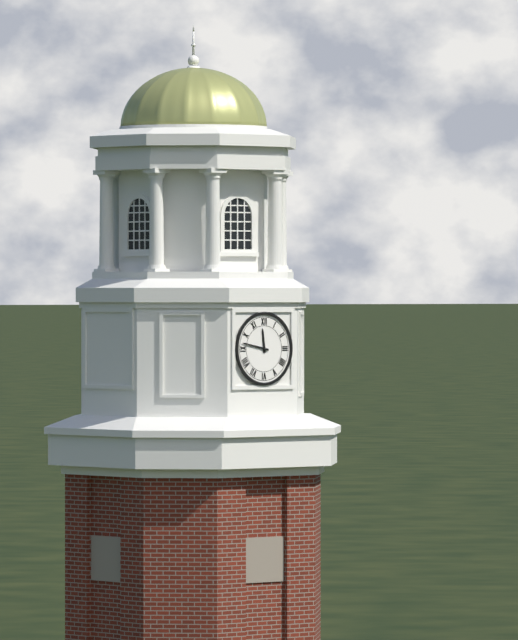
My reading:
11h47
